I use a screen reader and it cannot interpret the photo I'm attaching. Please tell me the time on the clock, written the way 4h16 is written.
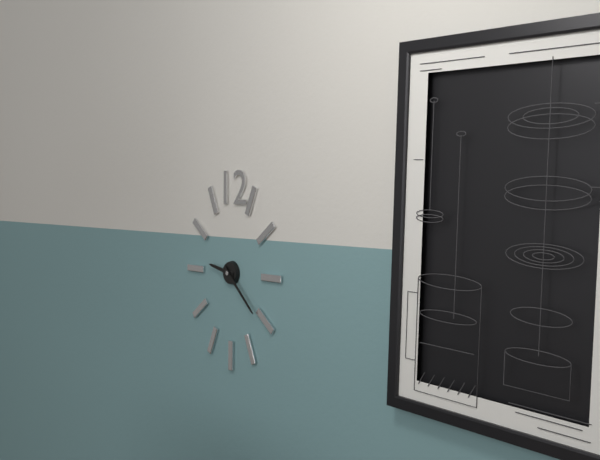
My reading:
9h22
